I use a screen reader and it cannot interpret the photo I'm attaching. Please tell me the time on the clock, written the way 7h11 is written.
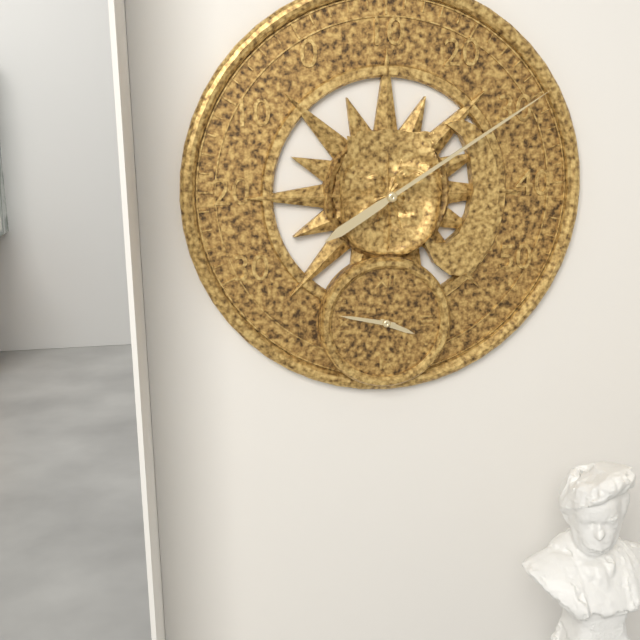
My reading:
3h47
